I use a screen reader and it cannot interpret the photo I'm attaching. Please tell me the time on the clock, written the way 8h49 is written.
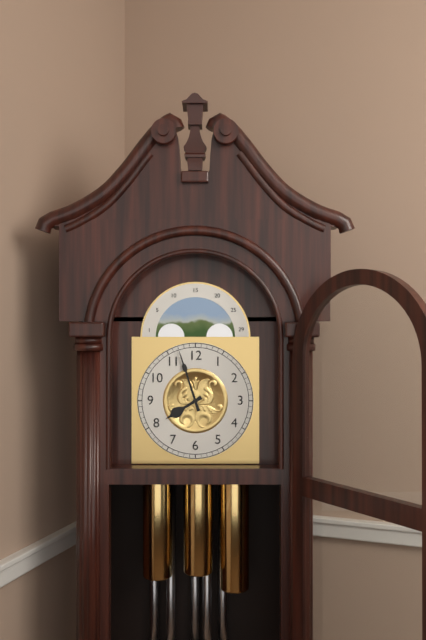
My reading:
7h57
